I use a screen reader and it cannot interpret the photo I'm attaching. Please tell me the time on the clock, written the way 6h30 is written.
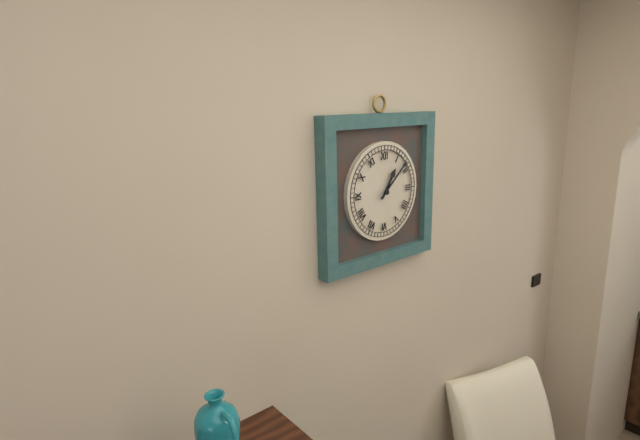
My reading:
1h08
